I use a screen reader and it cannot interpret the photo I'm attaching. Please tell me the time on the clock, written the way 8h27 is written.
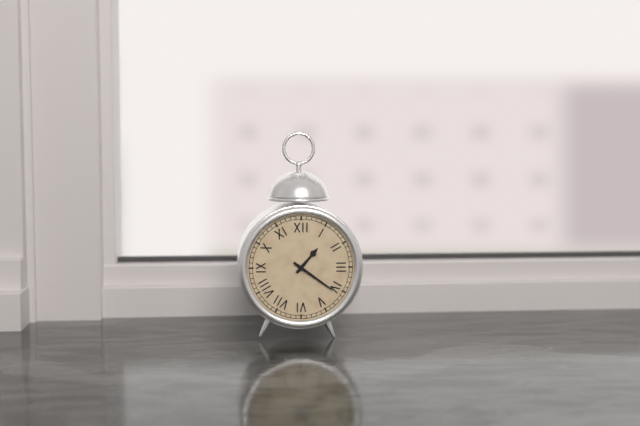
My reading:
1h21
